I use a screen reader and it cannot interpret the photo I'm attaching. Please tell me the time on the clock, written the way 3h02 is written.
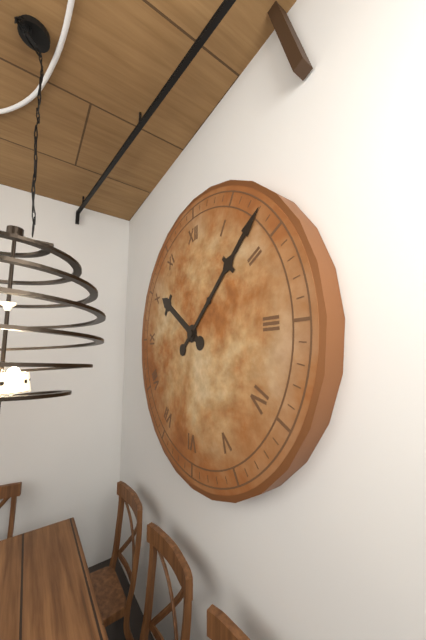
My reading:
10h08
